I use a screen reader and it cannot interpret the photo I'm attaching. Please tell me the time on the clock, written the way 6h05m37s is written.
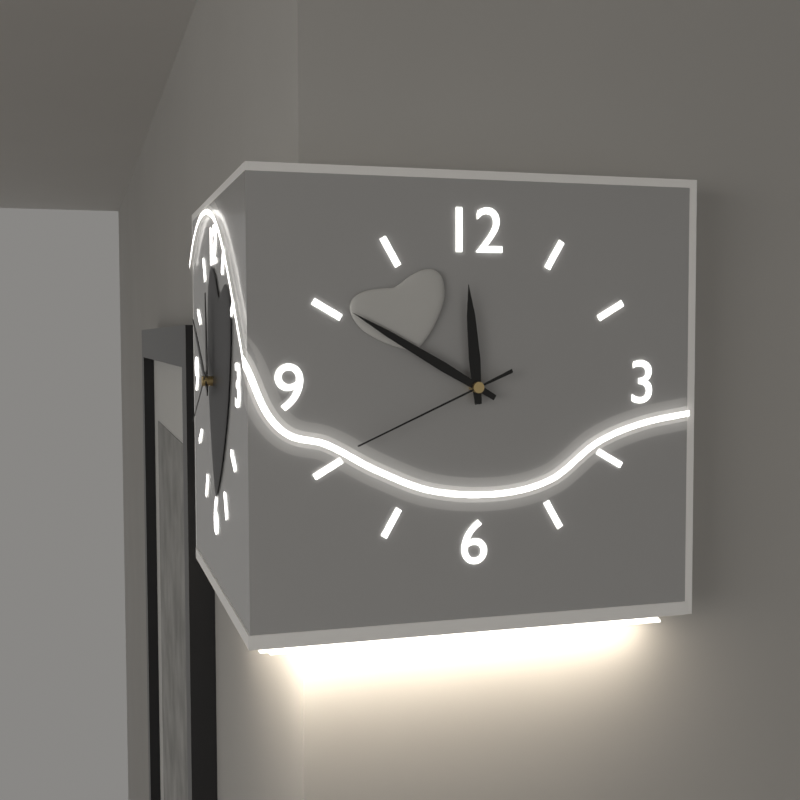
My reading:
11h50m41s
